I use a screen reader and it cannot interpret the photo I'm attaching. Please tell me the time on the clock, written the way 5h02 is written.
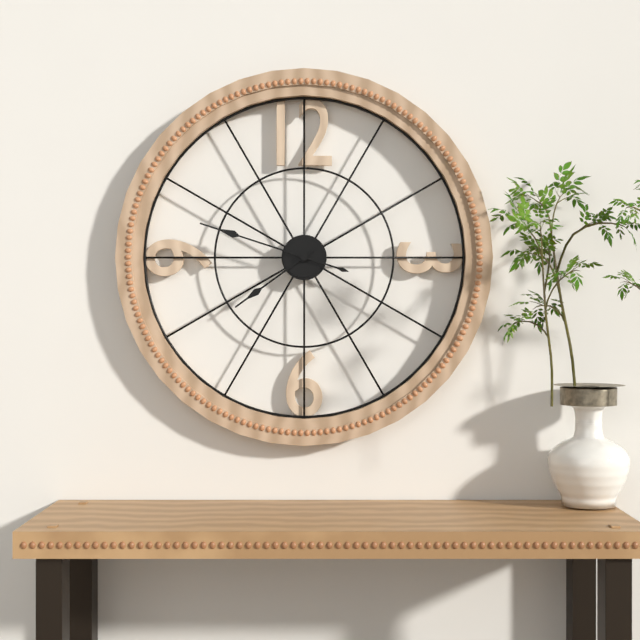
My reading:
7h48
